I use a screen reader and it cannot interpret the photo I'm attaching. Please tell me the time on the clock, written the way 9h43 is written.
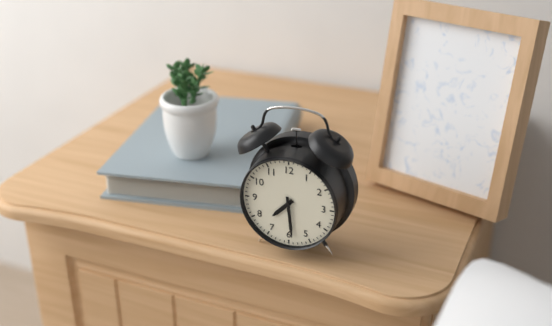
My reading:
7h29
